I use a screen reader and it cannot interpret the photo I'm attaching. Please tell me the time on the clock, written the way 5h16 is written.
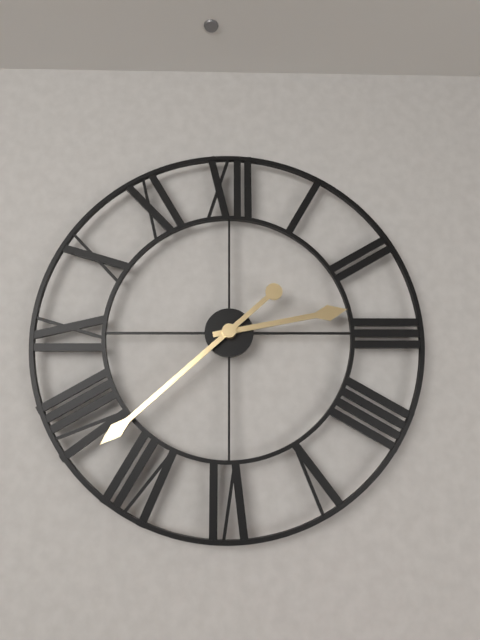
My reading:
2h38
